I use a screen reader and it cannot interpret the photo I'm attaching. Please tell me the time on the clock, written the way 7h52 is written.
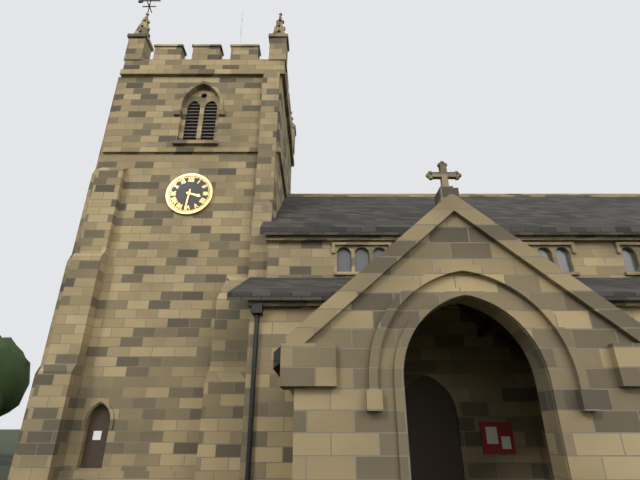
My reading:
3h31
